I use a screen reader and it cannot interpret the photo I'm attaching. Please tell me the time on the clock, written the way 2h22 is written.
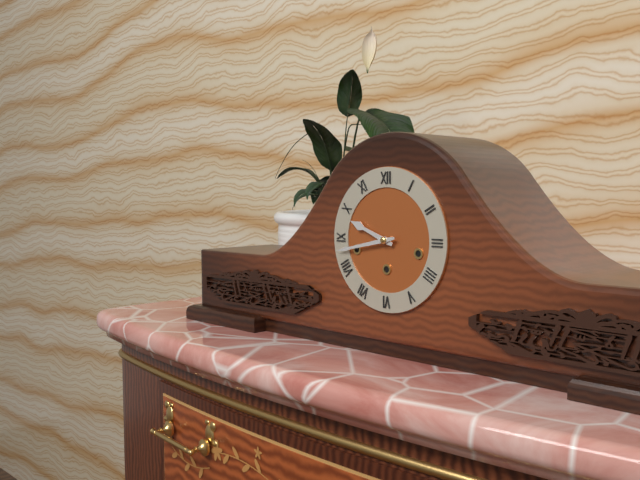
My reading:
9h43
